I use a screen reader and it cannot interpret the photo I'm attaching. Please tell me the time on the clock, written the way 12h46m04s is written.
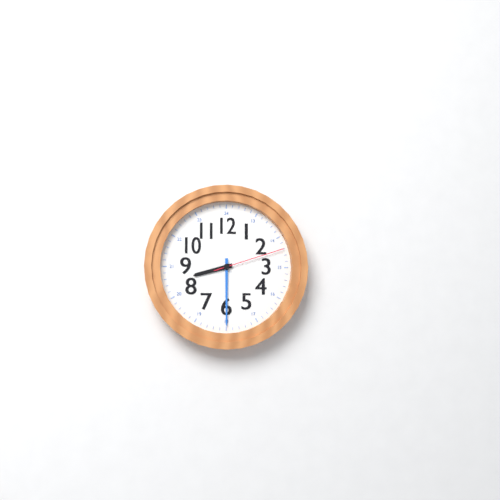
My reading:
8h30m12s
